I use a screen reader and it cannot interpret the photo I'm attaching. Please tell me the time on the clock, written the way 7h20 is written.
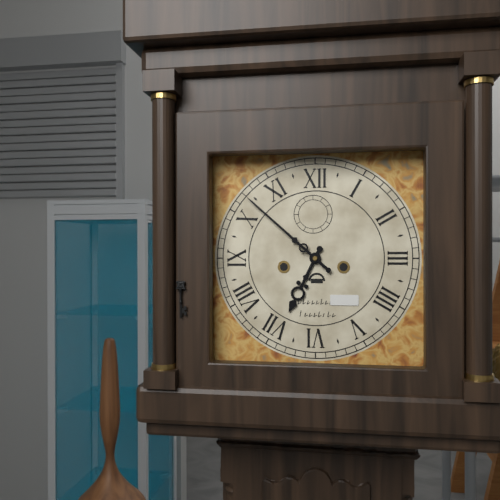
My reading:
6h52
